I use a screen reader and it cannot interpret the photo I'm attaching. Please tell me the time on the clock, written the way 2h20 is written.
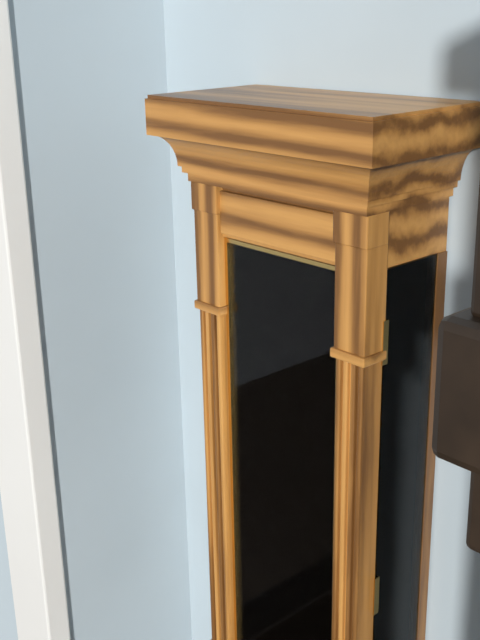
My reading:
5h08
